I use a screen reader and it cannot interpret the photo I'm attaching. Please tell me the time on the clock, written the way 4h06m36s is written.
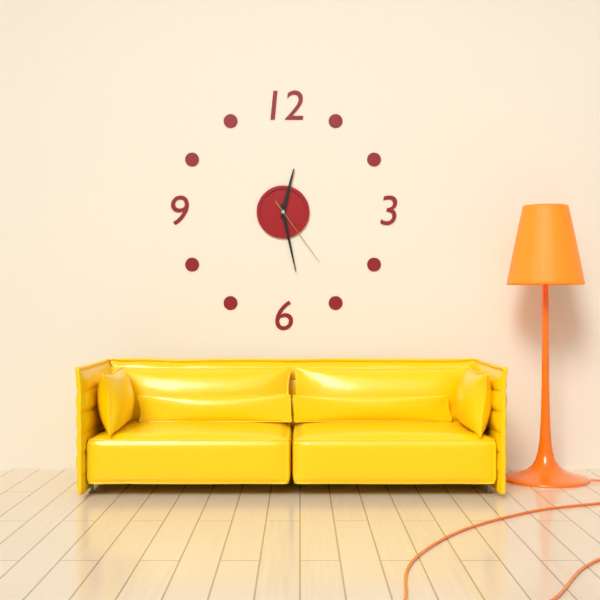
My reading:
12h28m24s
